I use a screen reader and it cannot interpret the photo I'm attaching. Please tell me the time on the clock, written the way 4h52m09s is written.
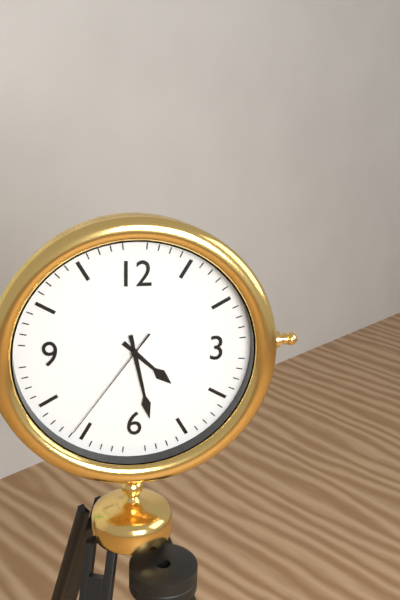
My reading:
4h28m36s
